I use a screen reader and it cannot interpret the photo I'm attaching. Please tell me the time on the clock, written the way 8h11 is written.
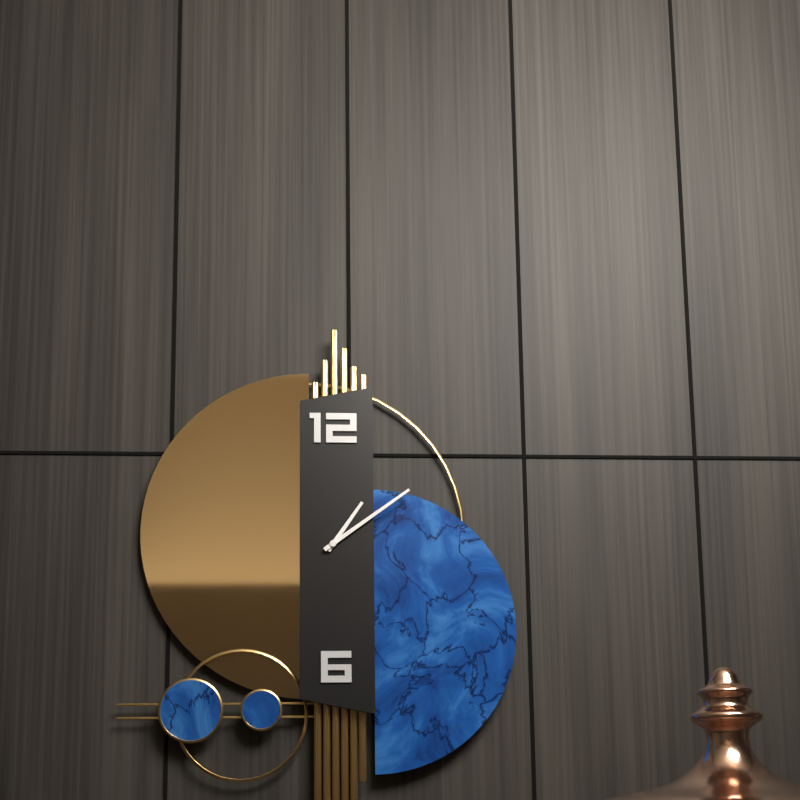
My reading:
1h09
